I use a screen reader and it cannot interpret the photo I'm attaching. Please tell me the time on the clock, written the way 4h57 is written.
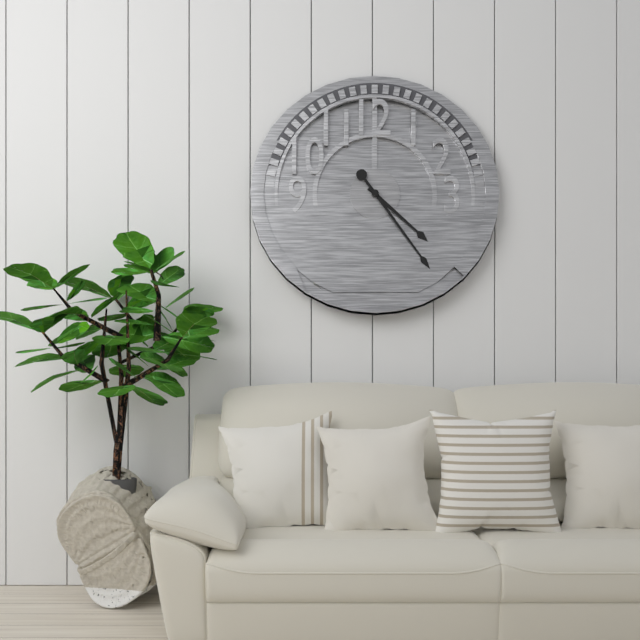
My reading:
4h24
